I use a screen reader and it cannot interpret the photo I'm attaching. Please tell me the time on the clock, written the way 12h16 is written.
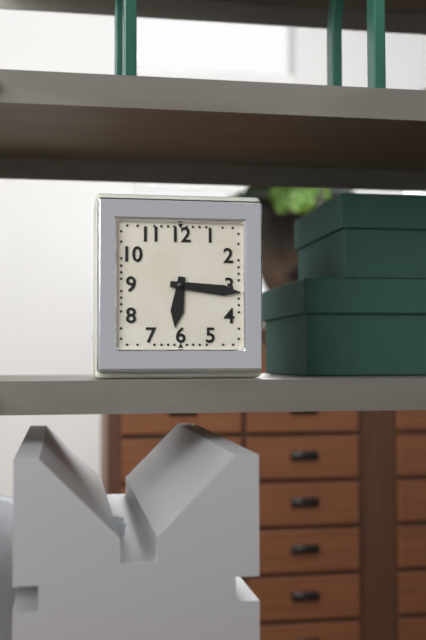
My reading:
6h16
